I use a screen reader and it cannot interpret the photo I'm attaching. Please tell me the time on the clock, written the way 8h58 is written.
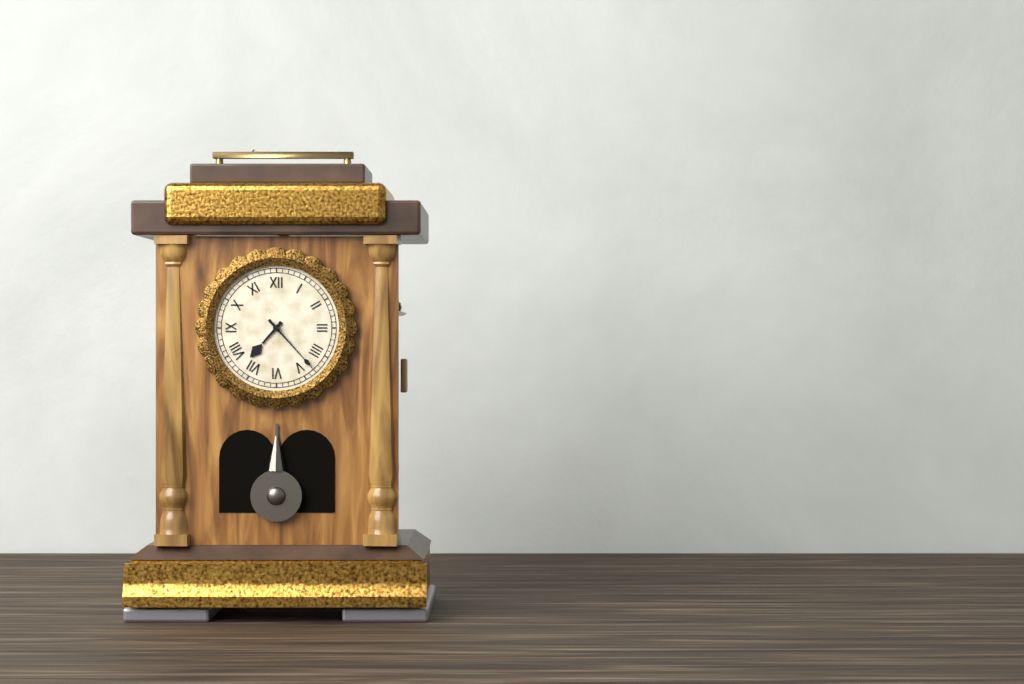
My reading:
7h23
